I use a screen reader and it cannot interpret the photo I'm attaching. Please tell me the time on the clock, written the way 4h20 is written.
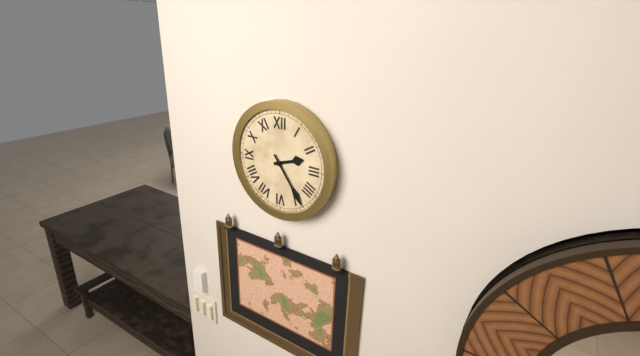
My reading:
2h24
